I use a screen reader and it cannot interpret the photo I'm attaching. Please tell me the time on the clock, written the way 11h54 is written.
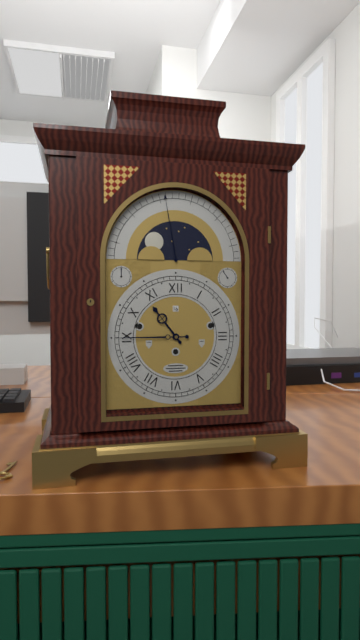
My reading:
10h45
